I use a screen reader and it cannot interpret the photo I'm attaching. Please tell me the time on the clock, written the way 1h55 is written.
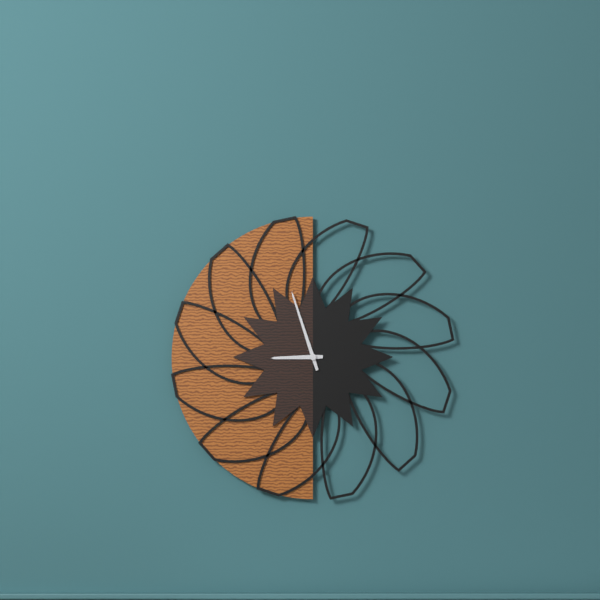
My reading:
8h57
